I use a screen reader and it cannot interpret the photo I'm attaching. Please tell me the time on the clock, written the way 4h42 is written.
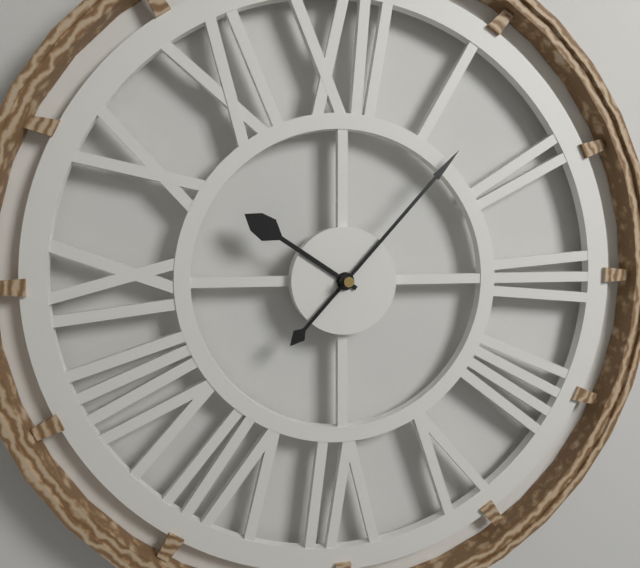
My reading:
10h07
